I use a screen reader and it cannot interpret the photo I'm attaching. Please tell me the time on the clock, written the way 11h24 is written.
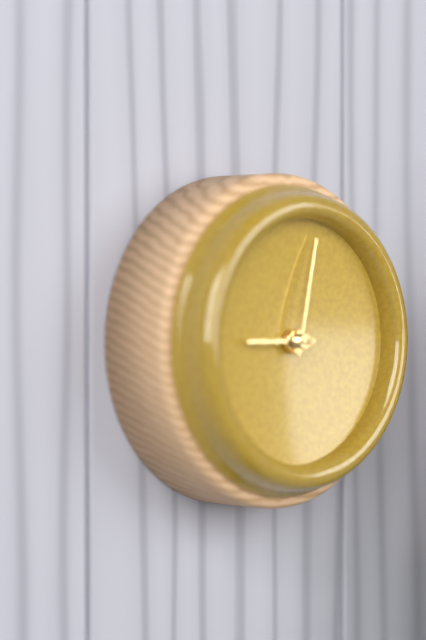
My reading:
9h02
